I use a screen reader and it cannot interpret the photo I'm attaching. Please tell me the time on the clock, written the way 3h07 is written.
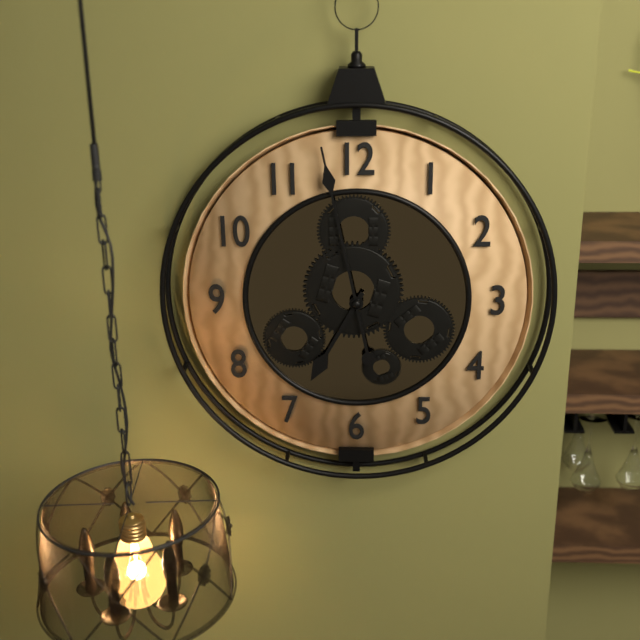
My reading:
6h58
